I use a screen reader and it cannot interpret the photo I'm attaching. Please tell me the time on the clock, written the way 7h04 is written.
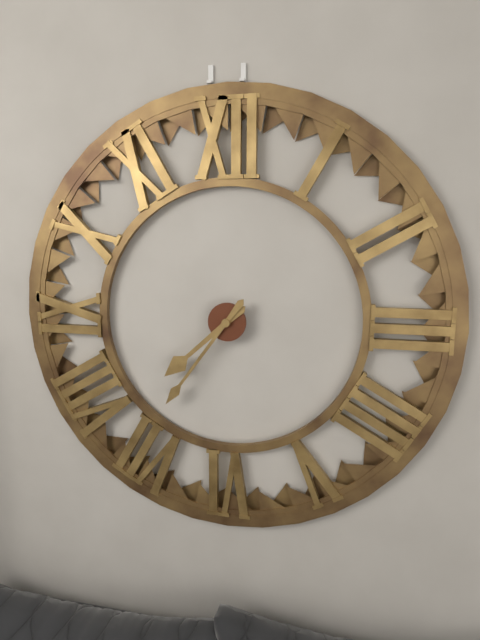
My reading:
7h36
